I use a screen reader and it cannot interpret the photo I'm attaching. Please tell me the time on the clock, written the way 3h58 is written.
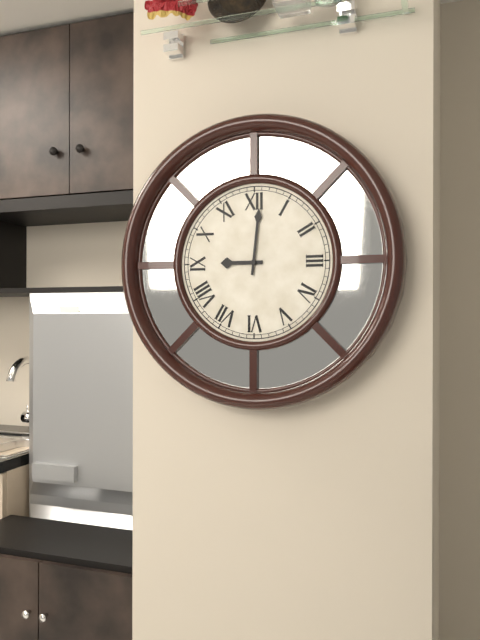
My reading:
9h01
